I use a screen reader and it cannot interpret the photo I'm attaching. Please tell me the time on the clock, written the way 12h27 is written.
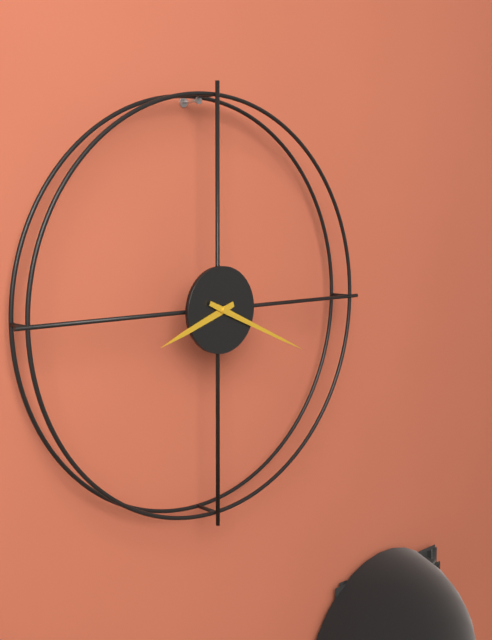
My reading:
8h19
